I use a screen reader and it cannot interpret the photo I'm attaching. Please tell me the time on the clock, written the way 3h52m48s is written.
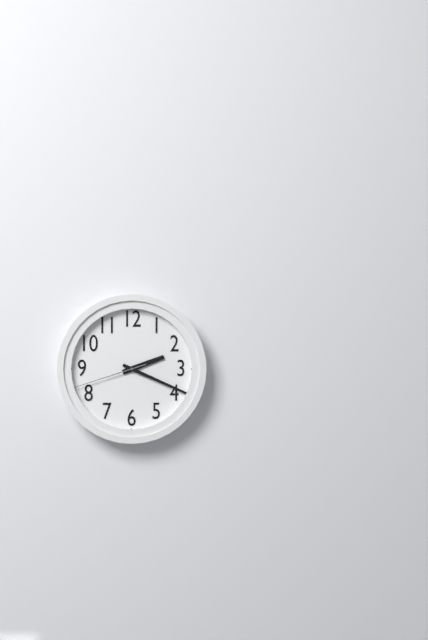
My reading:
2h19m42s
